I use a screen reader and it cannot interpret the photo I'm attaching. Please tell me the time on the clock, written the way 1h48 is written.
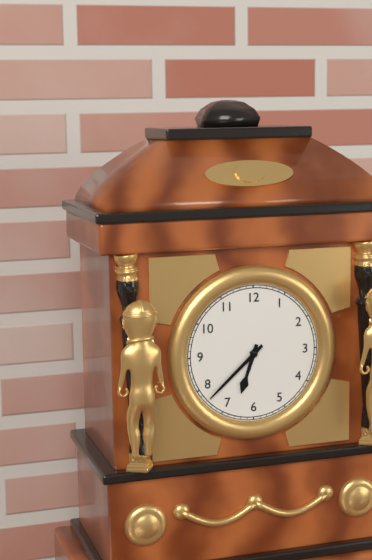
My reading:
6h38
